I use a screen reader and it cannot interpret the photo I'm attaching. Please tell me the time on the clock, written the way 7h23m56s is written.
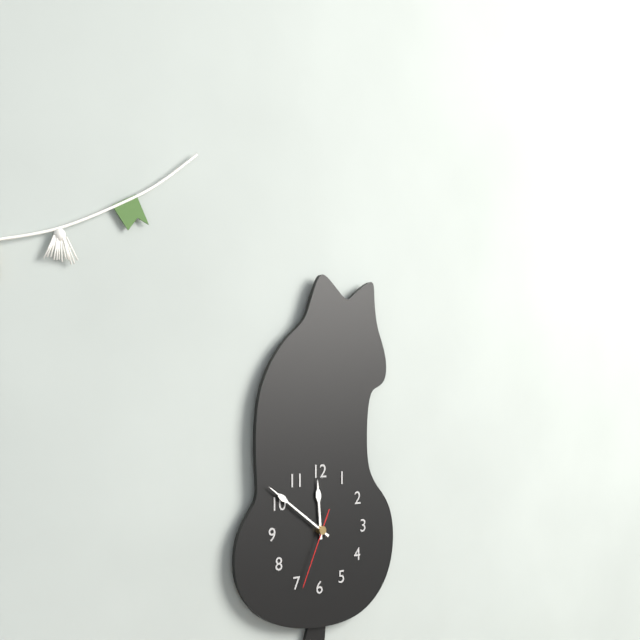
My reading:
11h51m34s
